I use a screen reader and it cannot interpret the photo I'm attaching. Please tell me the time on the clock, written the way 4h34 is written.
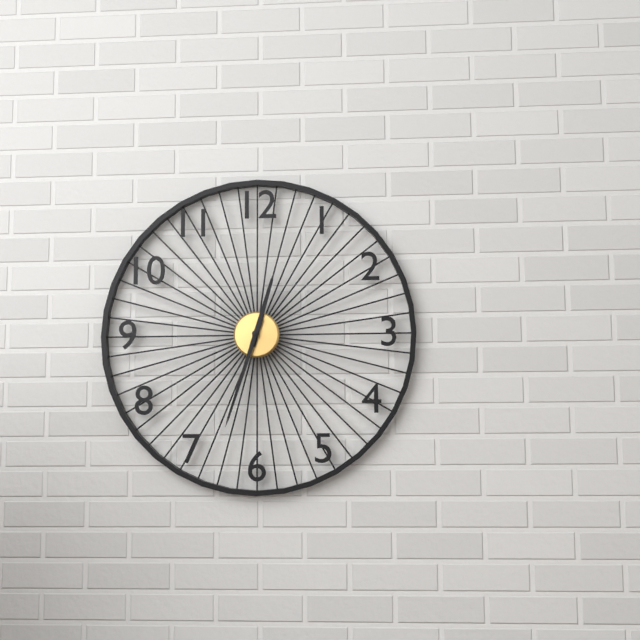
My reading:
12h33
